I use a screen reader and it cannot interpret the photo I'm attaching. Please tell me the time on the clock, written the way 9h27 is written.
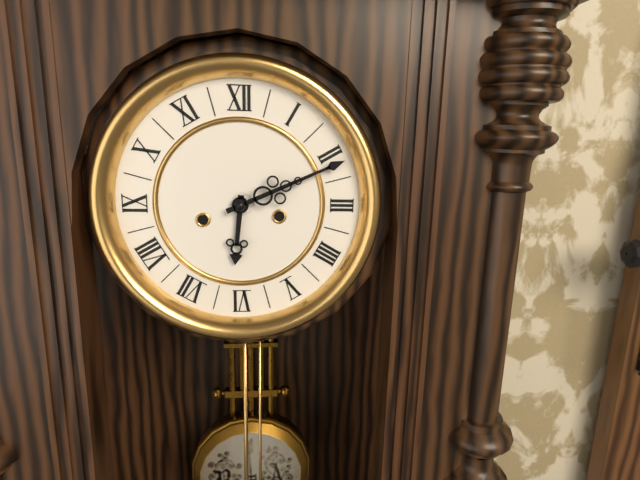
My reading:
6h11
